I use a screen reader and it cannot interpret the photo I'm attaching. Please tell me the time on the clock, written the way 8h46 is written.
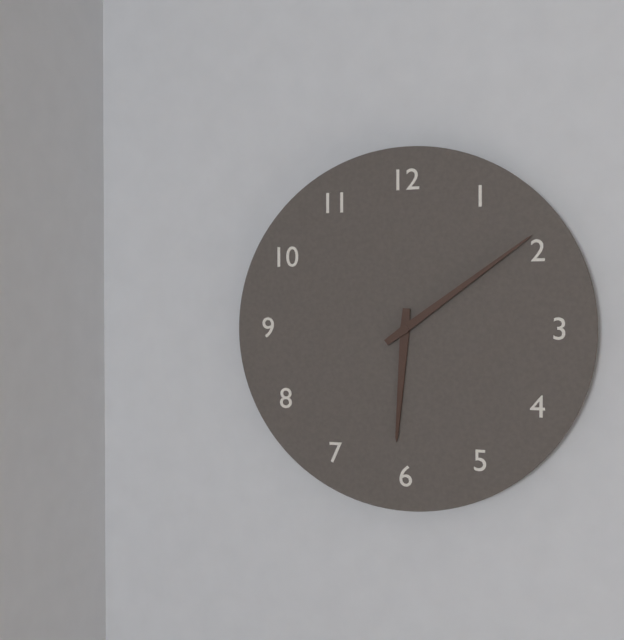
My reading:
6h09
